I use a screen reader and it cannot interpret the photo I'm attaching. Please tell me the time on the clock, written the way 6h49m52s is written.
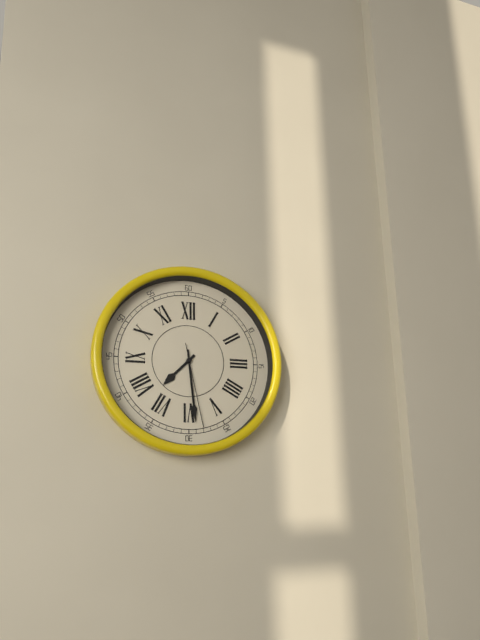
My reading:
7h29m28s
